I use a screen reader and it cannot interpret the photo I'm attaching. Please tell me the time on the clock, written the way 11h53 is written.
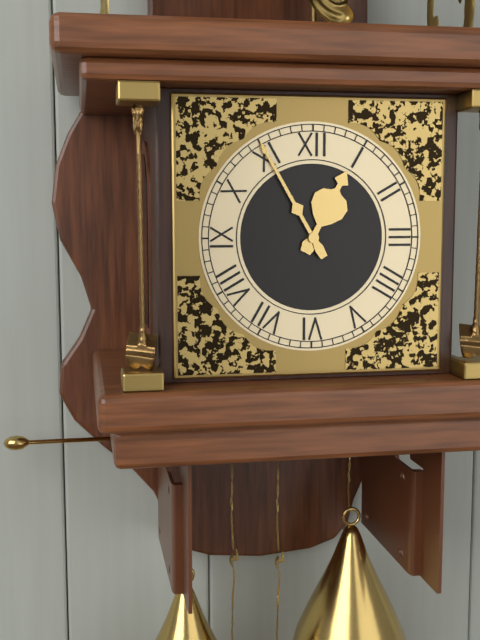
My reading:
12h55
